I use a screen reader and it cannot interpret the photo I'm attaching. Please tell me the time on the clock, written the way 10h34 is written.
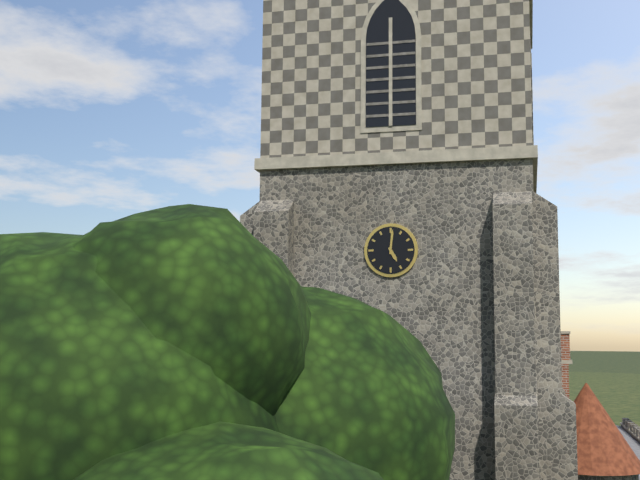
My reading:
5h01
